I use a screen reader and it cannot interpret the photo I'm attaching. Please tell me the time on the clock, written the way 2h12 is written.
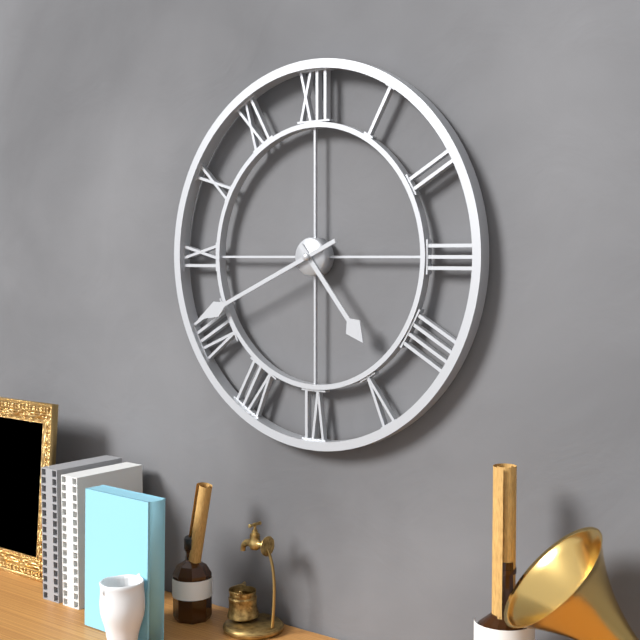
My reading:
4h41
